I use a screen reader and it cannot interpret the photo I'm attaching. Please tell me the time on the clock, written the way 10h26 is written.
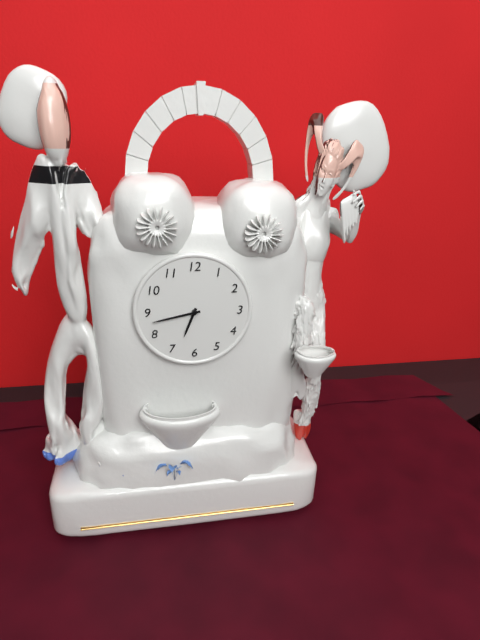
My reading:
6h43
